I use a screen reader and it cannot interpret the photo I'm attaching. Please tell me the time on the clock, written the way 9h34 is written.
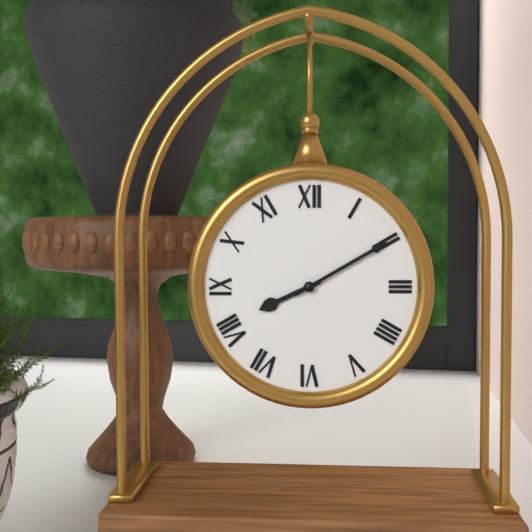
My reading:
8h10
